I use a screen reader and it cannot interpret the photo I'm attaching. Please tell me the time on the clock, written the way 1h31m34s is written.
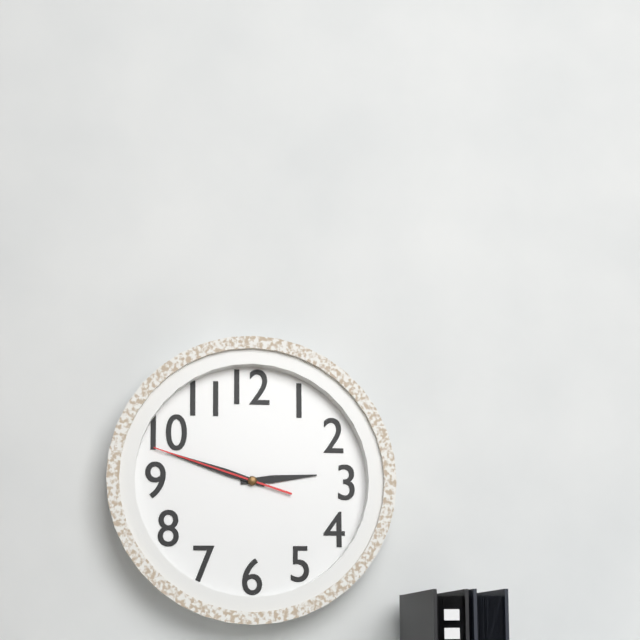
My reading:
2h48m48s
